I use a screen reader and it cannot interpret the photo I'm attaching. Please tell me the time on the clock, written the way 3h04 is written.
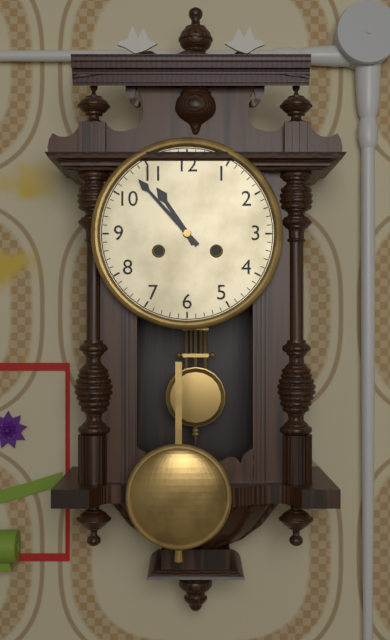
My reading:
10h53
